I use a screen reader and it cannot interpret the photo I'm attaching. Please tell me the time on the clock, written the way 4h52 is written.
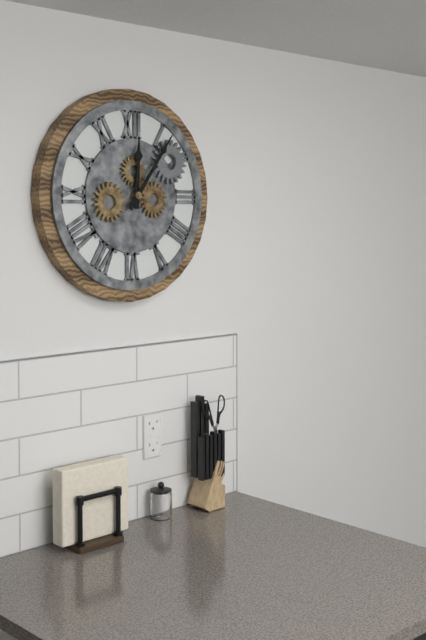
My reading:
12h06
